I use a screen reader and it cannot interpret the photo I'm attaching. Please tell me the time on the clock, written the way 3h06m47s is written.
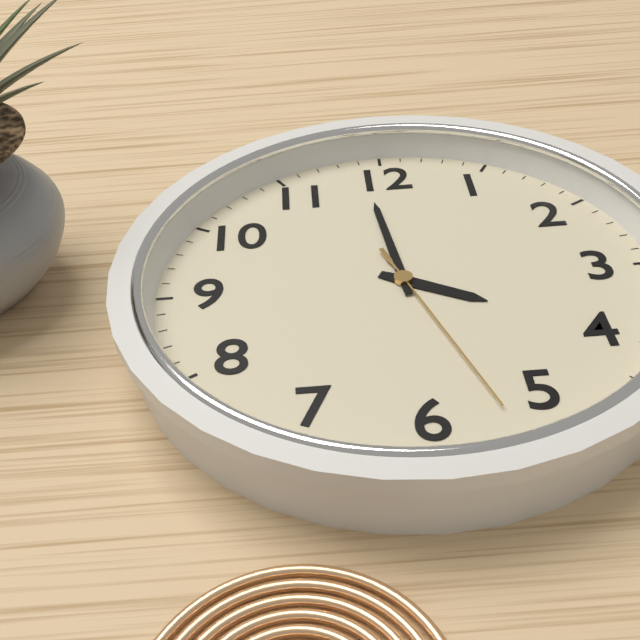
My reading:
3h59m27s
